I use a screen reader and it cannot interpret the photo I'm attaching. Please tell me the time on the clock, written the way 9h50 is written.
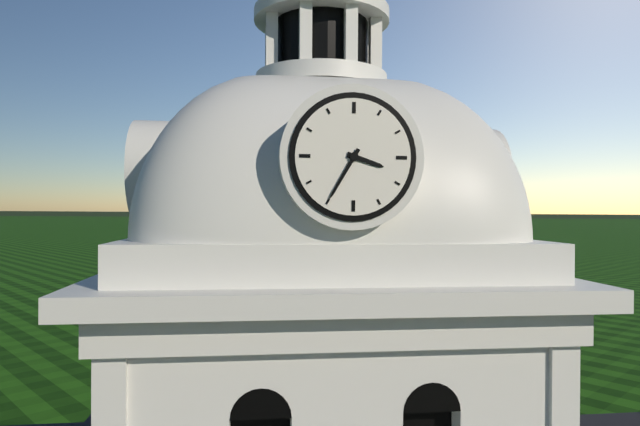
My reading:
3h35
